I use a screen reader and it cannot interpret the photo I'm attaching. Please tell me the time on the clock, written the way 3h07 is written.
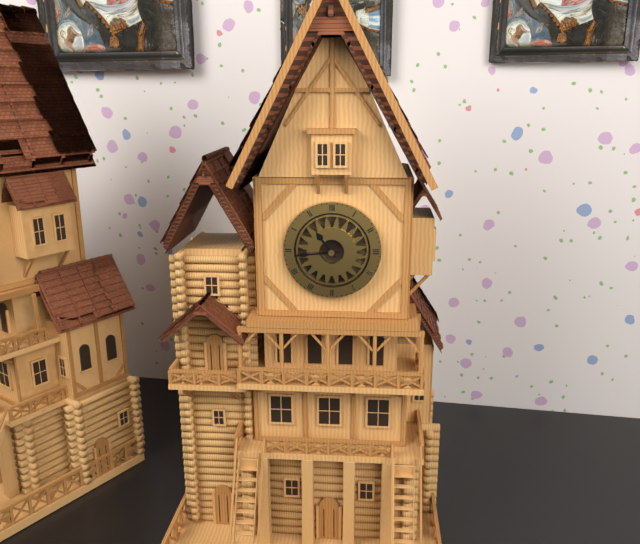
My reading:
10h44
